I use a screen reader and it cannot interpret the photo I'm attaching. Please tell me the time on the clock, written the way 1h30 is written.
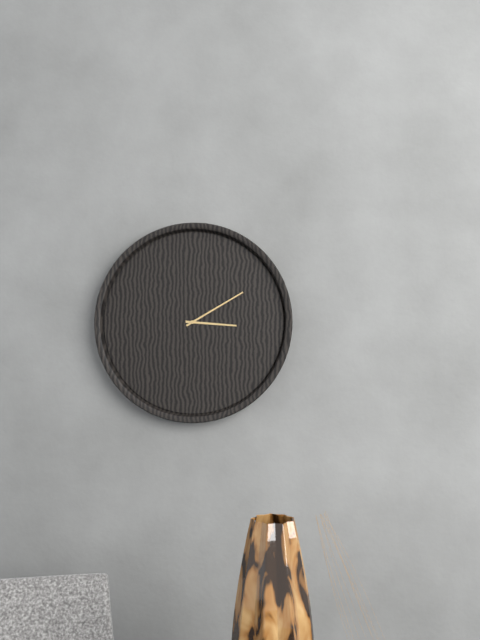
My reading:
3h10
